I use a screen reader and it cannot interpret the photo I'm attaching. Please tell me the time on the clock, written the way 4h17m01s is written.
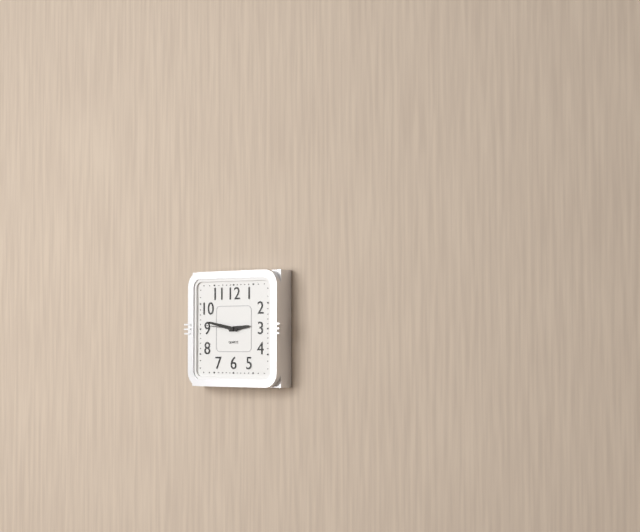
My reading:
2h47m46s
